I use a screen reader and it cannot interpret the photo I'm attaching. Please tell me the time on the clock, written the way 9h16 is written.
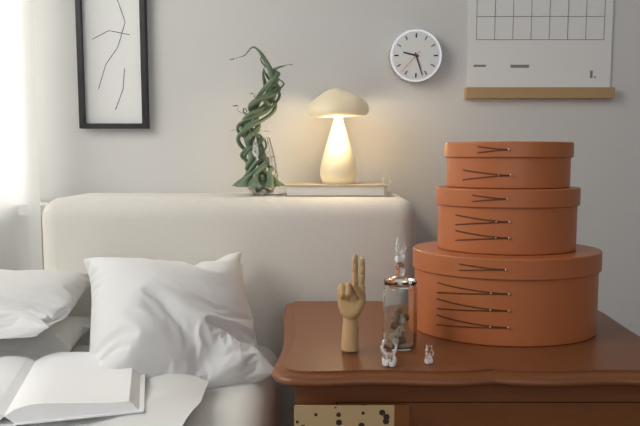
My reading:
9h27
